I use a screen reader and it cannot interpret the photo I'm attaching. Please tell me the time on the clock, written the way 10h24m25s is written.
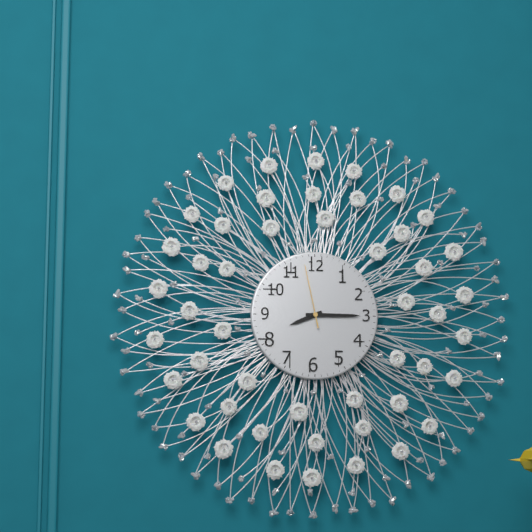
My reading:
8h15m58s
